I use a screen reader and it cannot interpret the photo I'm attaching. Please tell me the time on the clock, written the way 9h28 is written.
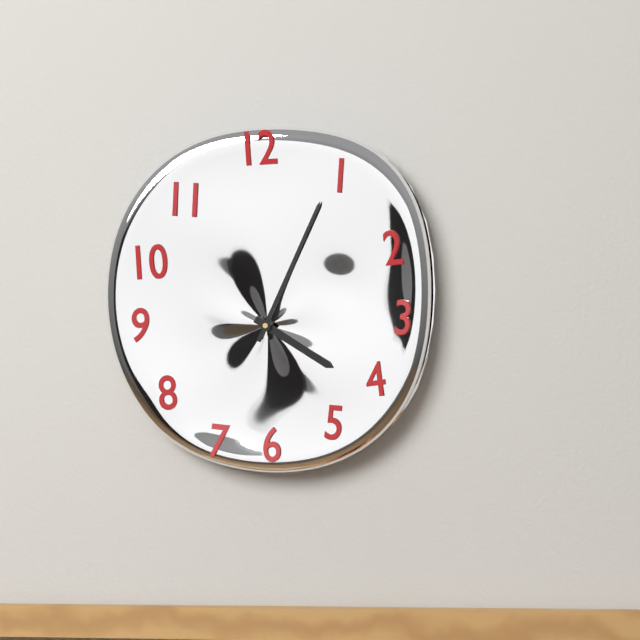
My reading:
4h04
